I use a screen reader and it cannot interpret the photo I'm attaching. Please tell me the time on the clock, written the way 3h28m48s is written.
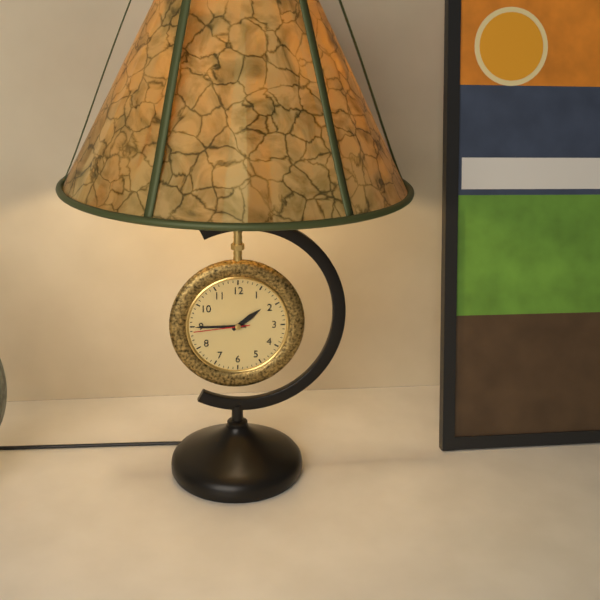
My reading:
1h45m44s
